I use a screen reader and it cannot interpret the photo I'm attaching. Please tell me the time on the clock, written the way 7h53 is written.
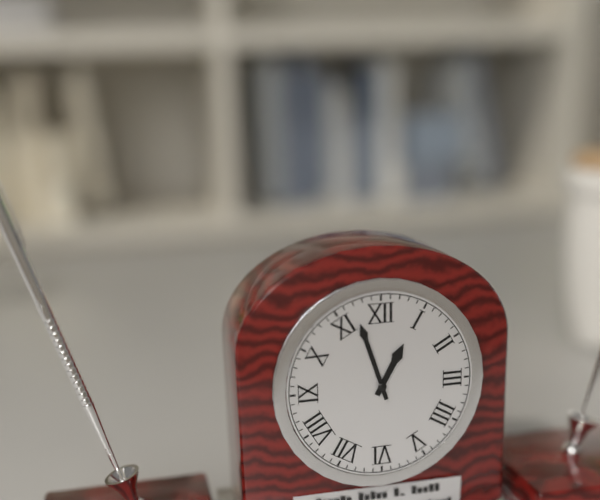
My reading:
12h57
